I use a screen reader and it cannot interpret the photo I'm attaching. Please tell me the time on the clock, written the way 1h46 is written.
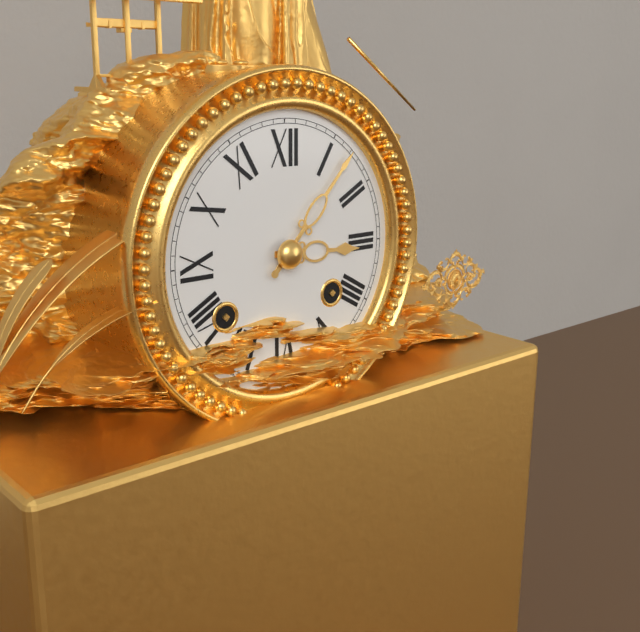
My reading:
3h07
